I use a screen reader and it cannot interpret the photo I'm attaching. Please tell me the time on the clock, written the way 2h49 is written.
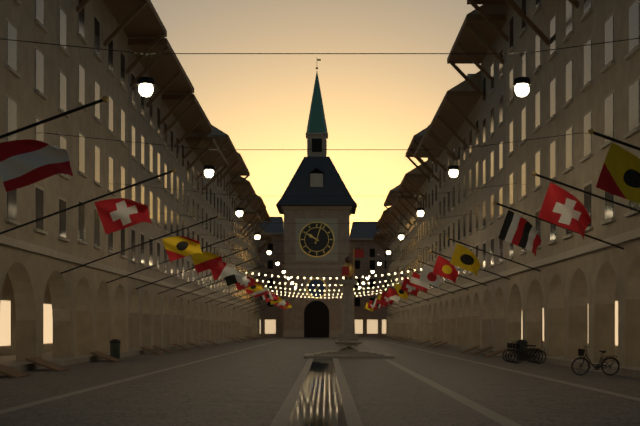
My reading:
10h03
